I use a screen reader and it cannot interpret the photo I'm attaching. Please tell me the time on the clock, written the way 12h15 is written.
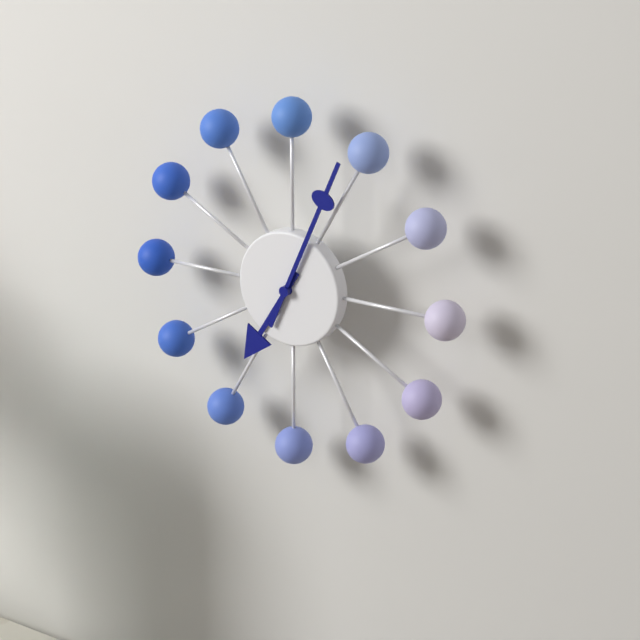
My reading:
7h04
